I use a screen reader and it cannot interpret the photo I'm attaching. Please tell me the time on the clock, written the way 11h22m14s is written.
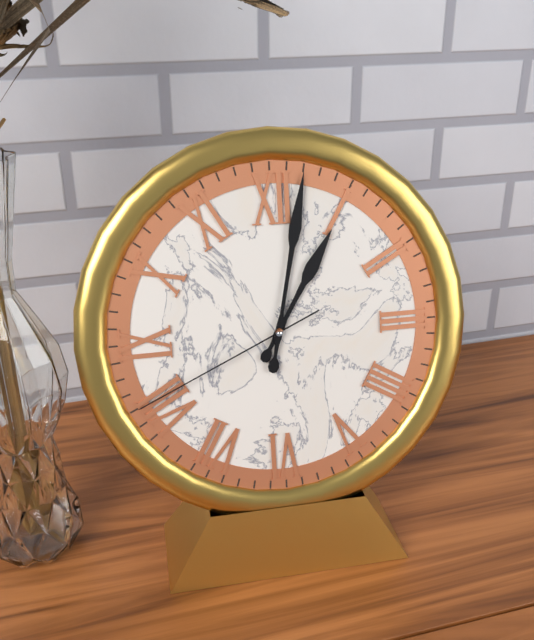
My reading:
1h02m41s
